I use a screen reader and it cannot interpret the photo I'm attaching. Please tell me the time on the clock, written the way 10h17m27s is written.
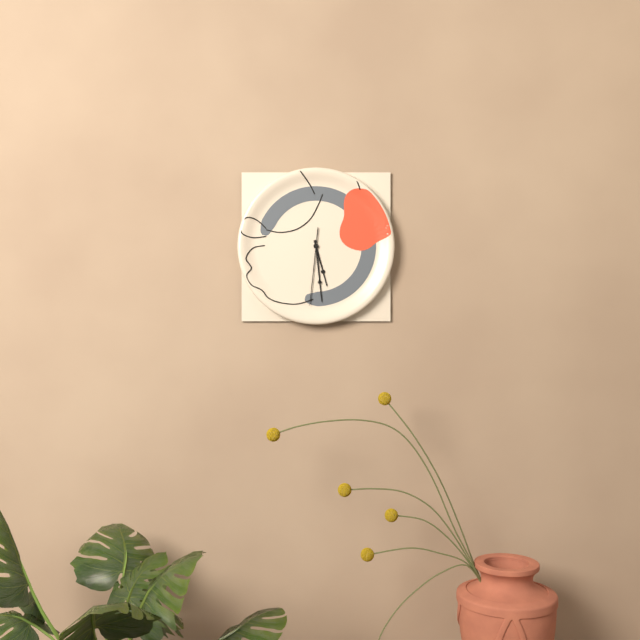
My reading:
5h29m31s
